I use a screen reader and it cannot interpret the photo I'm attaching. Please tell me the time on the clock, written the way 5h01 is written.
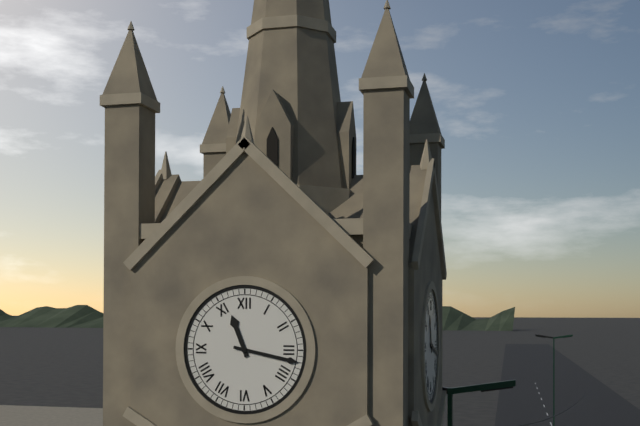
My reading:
11h17
